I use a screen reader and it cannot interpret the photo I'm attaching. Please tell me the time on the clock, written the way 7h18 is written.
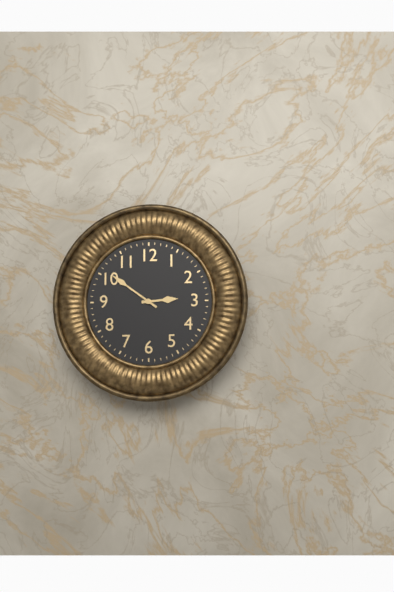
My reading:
2h51
